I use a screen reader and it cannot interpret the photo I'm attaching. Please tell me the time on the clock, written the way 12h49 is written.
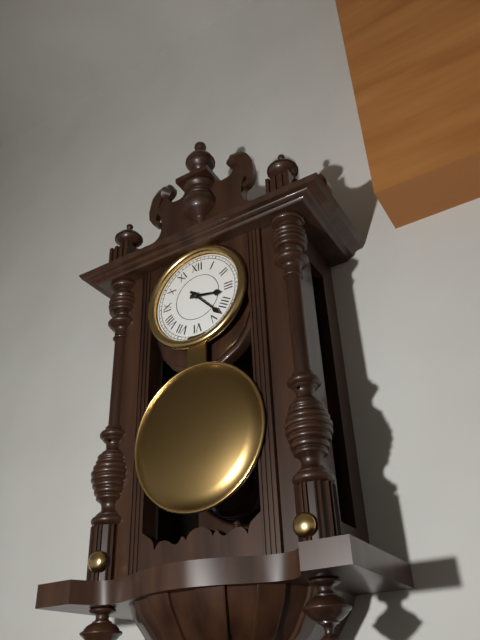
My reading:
3h23
